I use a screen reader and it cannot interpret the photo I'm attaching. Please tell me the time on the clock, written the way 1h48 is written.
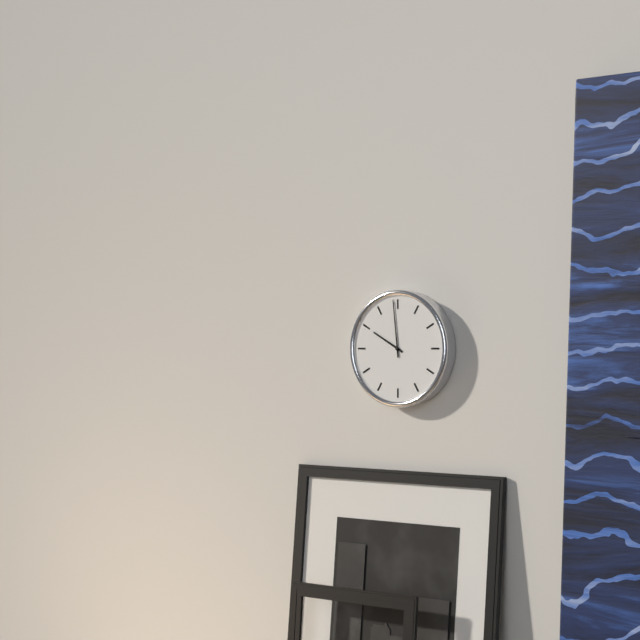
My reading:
9h59
